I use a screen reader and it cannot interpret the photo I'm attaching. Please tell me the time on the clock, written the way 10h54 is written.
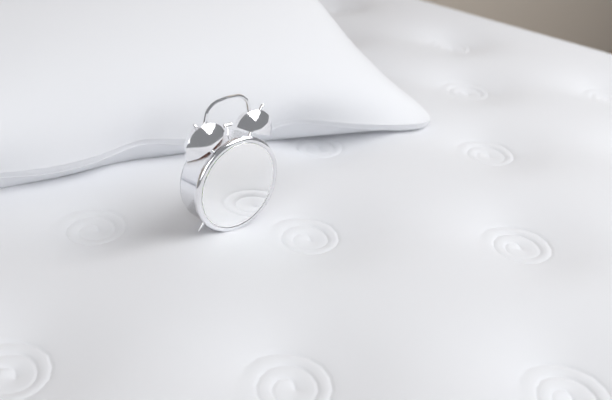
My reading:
2h14
